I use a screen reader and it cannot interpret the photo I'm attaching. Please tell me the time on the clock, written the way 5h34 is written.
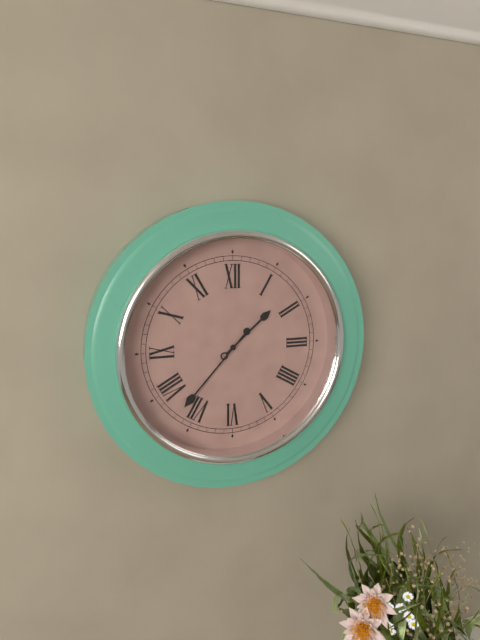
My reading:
1h37
